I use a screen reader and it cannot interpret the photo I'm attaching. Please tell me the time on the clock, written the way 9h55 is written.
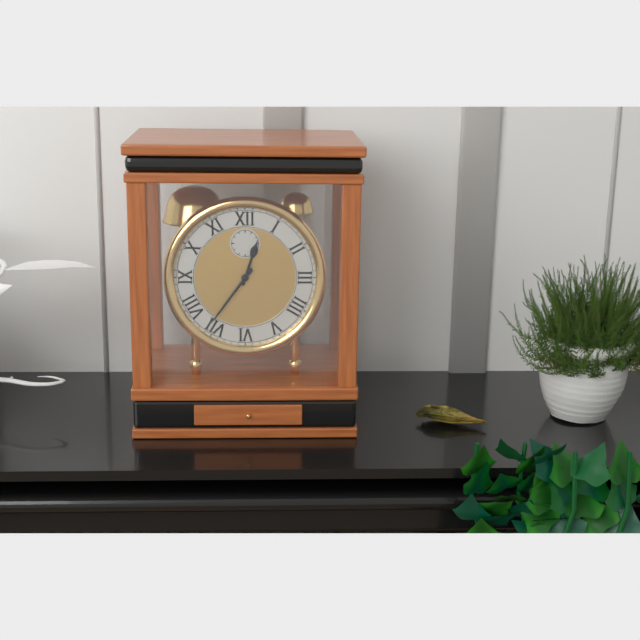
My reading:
12h36
